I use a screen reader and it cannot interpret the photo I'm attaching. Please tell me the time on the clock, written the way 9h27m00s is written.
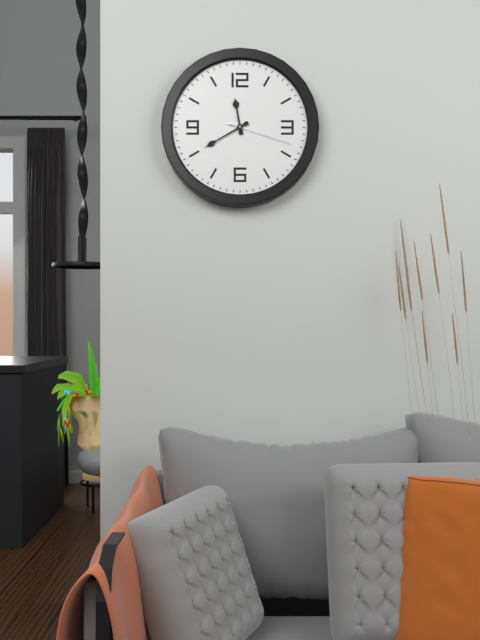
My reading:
11h40m18s
